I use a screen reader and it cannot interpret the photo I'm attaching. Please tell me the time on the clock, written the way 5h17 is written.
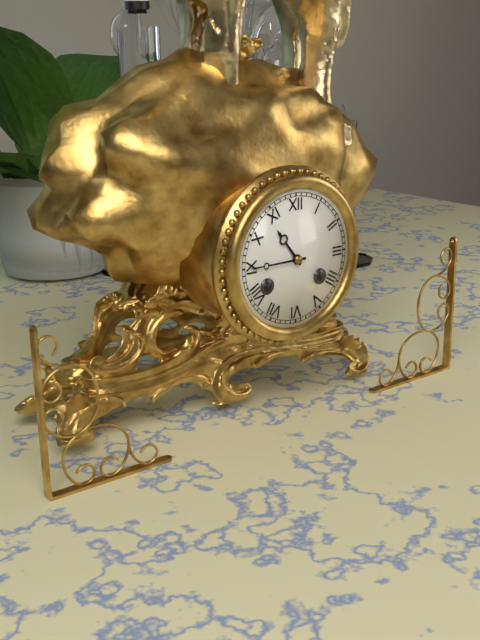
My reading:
10h45
